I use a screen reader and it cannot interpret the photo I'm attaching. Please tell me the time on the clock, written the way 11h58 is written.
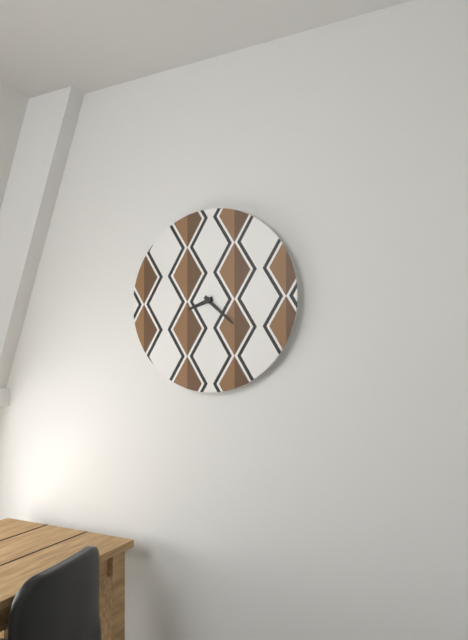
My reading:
8h22
